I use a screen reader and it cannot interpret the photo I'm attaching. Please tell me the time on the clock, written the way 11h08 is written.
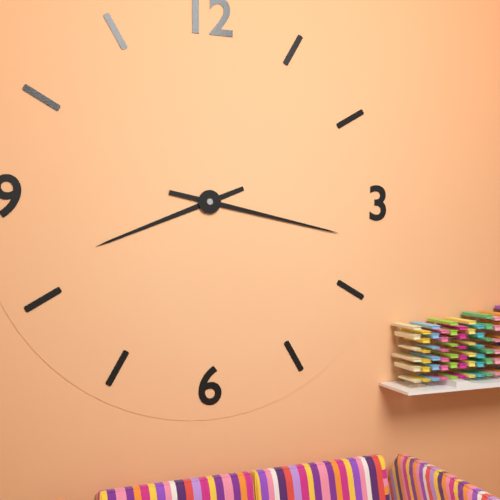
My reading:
8h17
